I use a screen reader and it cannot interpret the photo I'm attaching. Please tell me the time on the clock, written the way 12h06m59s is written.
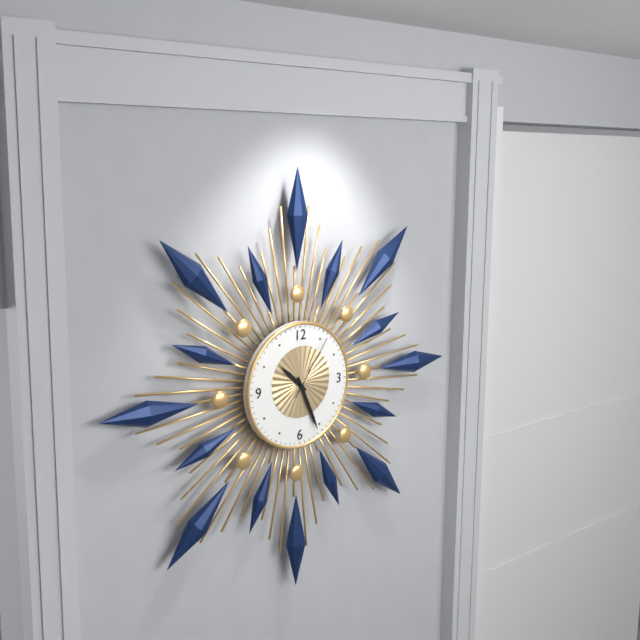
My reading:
10h26m06s
